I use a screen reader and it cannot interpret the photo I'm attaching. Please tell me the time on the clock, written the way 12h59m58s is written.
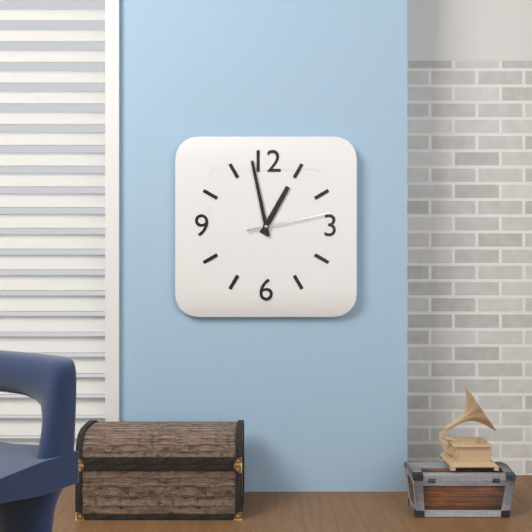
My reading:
12h58m13s
